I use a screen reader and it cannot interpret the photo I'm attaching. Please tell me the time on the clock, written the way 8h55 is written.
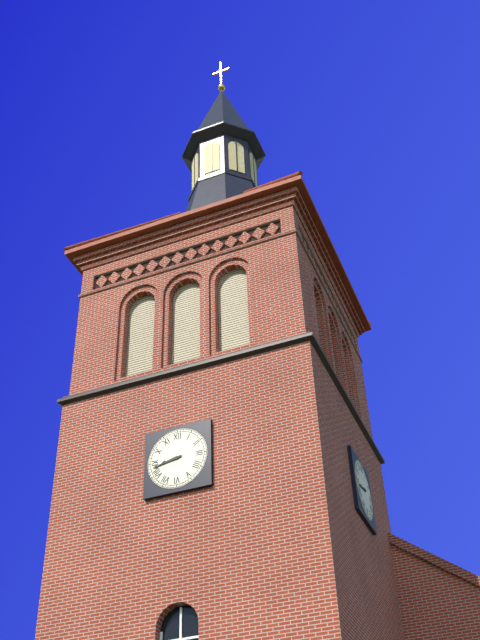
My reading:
8h43
